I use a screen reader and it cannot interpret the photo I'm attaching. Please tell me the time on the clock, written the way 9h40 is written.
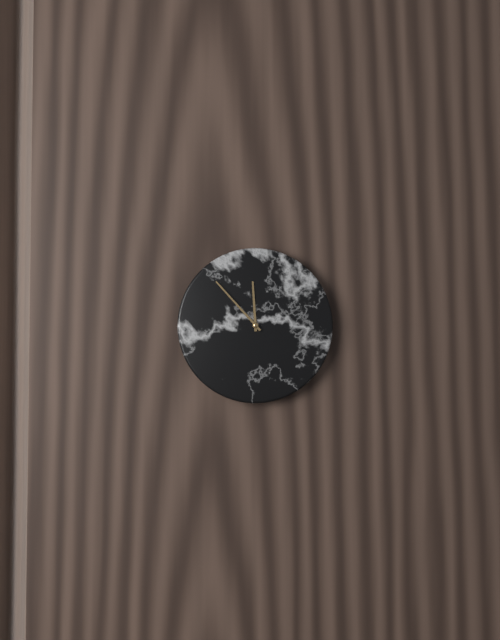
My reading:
11h53
